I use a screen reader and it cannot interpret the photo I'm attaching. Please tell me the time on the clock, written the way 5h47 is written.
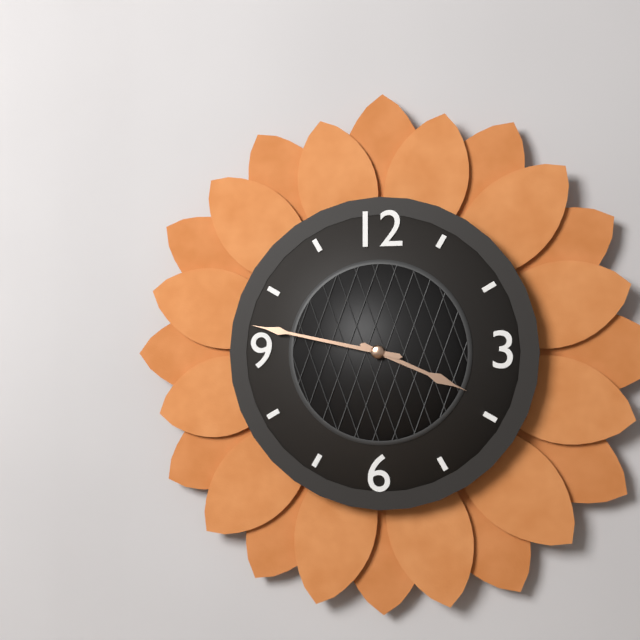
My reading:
3h47
